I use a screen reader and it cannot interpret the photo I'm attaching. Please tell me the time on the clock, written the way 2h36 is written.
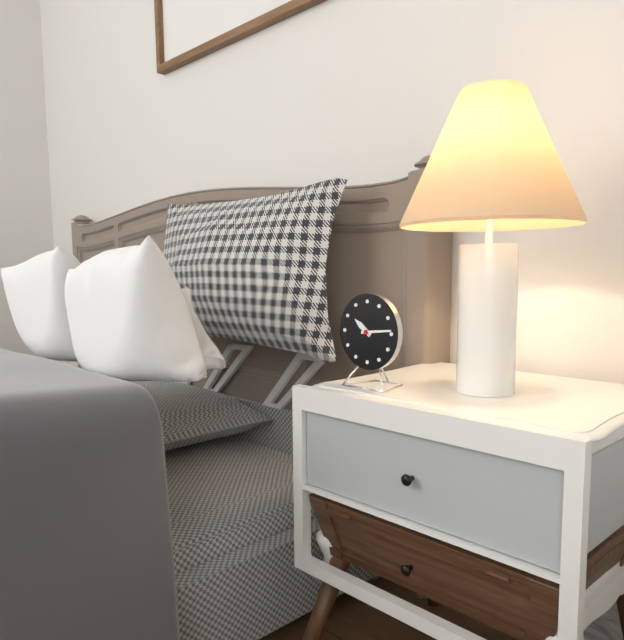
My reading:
10h14
